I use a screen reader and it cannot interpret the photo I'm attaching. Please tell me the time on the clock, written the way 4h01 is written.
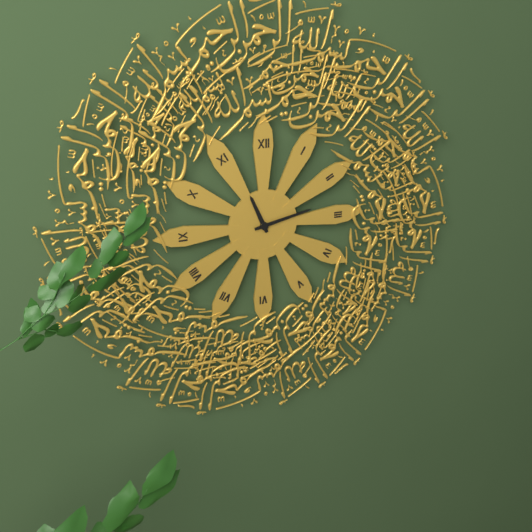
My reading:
11h13
